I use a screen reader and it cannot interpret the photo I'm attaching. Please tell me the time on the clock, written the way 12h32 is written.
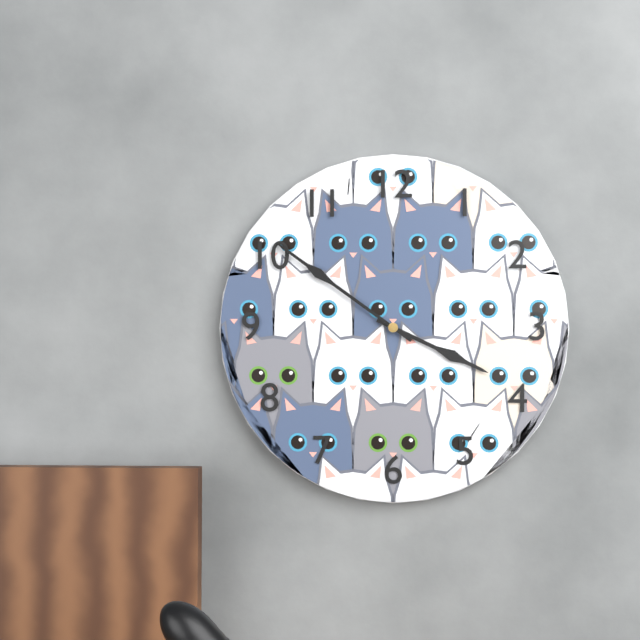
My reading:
3h51
